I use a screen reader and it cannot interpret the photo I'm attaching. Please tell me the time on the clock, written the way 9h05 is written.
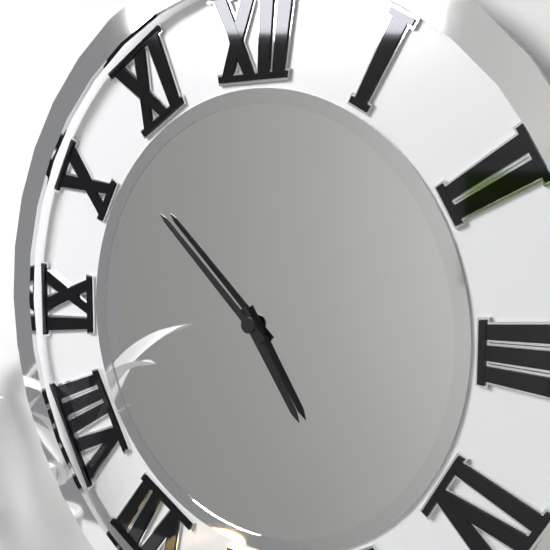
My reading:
4h52
